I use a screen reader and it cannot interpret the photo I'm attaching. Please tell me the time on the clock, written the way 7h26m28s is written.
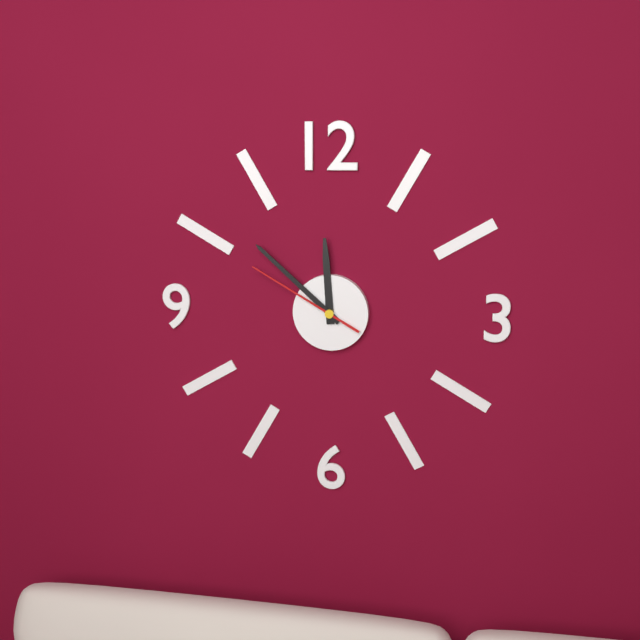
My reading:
11h52m50s
